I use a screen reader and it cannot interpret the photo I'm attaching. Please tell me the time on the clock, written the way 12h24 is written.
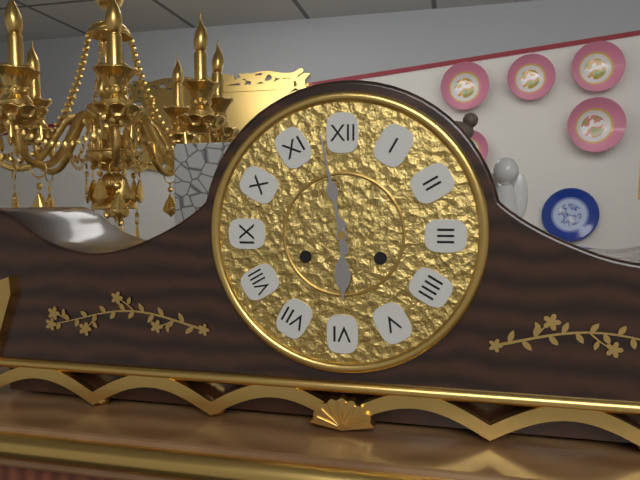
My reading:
5h58
